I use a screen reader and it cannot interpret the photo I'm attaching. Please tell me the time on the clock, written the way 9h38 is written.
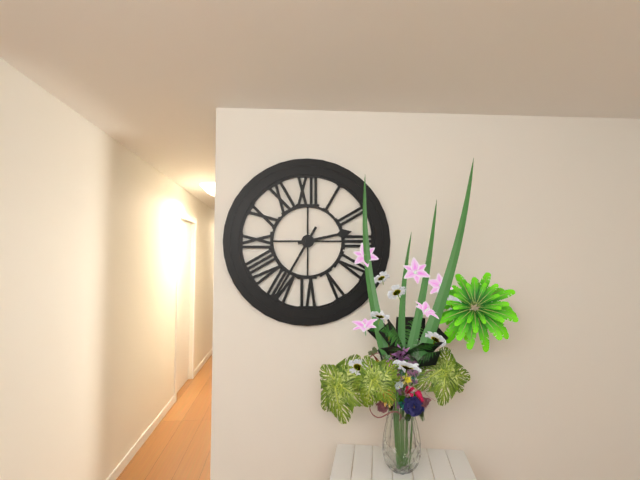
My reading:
2h35
